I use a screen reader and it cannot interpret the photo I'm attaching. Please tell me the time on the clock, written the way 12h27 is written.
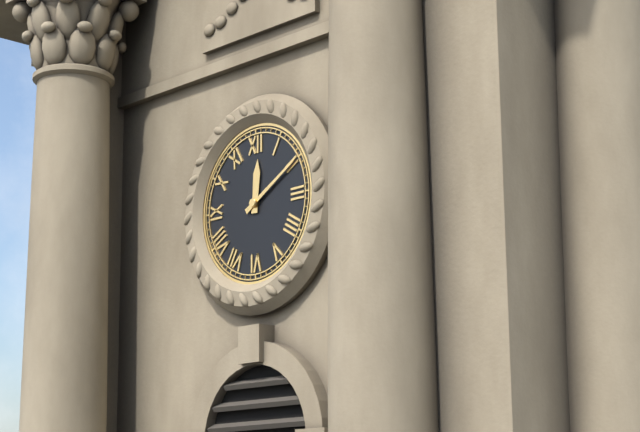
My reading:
12h10
